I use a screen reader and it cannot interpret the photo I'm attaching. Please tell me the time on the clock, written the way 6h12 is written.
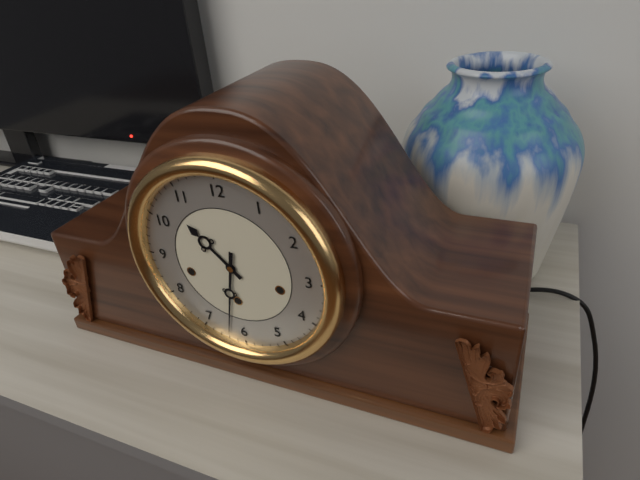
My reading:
10h32
